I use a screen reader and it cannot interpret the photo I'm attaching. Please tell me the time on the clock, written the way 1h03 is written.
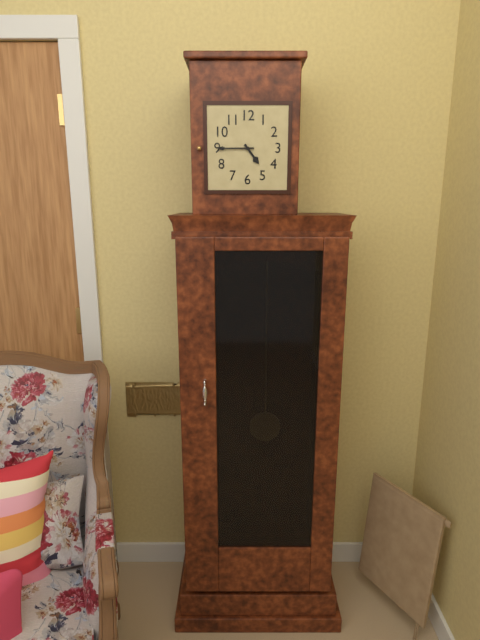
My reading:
4h45
